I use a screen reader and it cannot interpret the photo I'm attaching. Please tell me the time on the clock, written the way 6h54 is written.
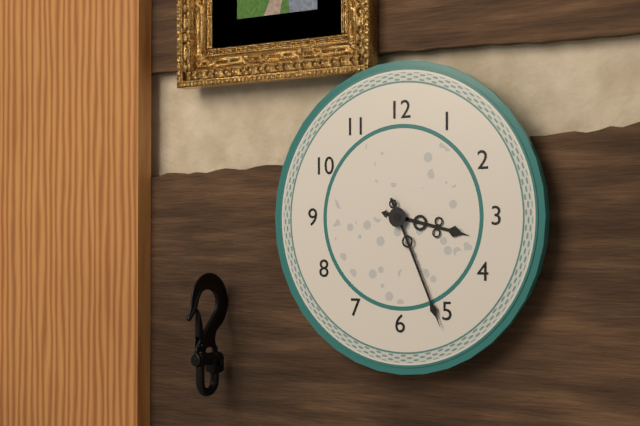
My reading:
3h26
